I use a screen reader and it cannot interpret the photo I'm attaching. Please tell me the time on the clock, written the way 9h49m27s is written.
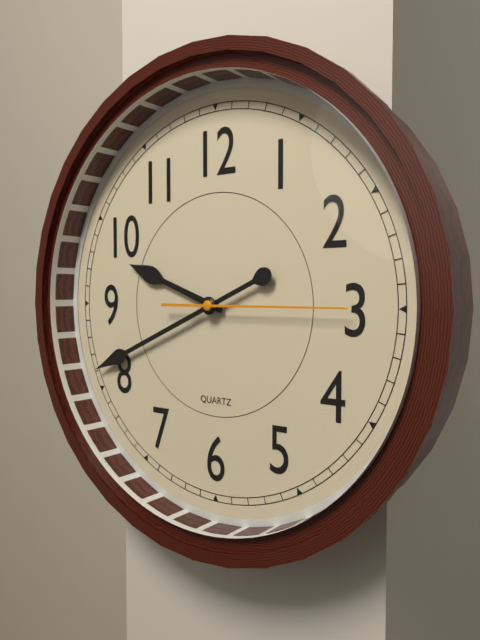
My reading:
9h41m15s
